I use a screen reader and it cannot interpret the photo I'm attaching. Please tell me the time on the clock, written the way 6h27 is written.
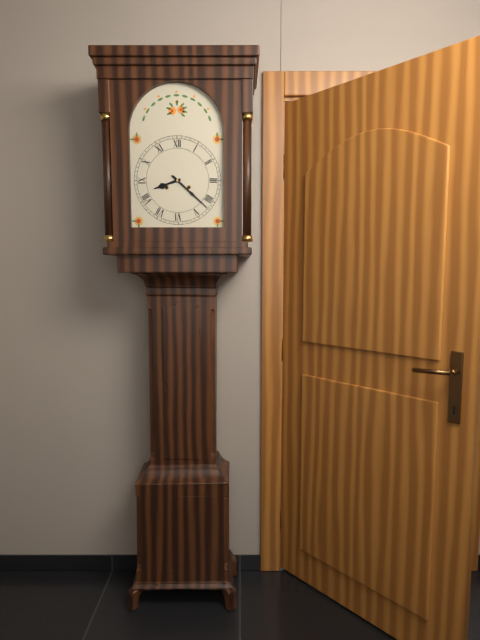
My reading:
8h22
